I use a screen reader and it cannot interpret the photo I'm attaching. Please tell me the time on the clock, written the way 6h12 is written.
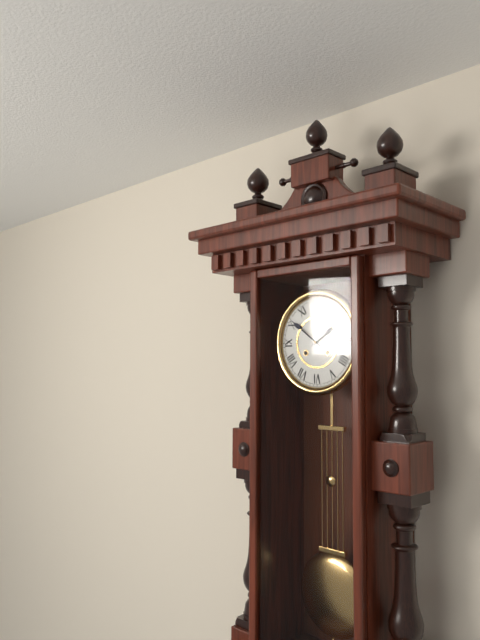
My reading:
1h51
